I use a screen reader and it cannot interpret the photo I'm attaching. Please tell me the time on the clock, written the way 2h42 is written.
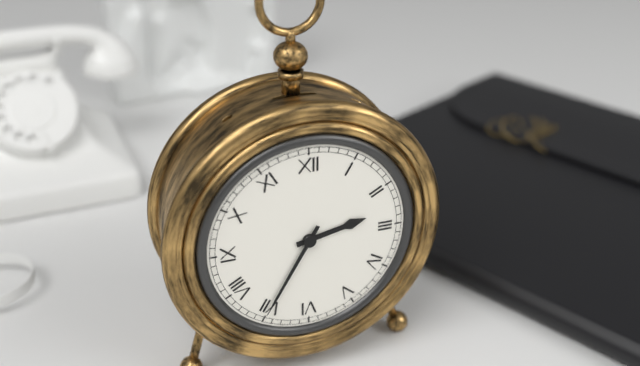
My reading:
2h35
